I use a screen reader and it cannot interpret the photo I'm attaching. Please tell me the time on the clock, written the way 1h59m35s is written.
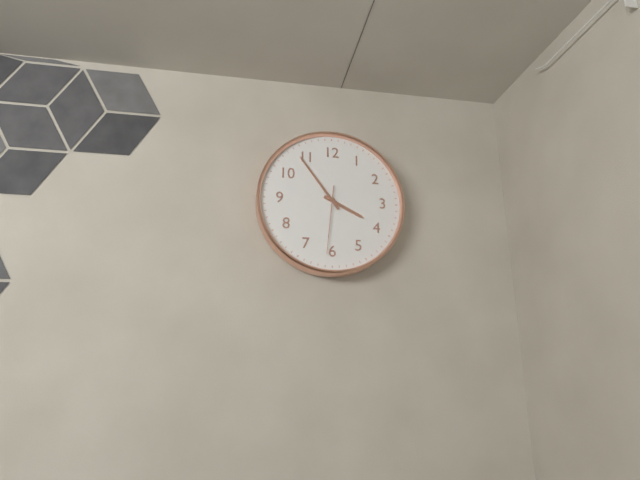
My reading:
3h54m31s
